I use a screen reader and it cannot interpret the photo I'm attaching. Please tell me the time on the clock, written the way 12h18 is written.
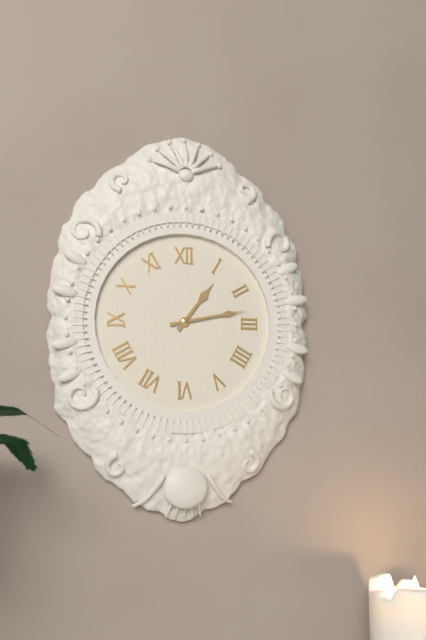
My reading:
1h13
